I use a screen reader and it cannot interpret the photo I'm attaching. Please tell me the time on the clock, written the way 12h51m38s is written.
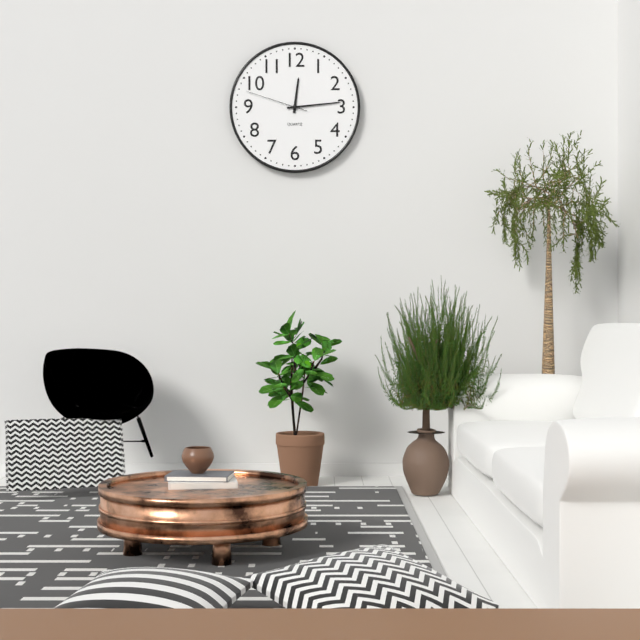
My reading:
12h14m48s
